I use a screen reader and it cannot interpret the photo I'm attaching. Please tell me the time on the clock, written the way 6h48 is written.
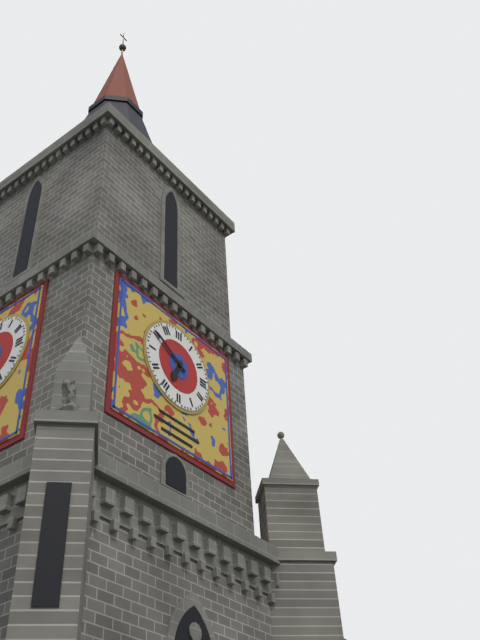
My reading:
6h50
